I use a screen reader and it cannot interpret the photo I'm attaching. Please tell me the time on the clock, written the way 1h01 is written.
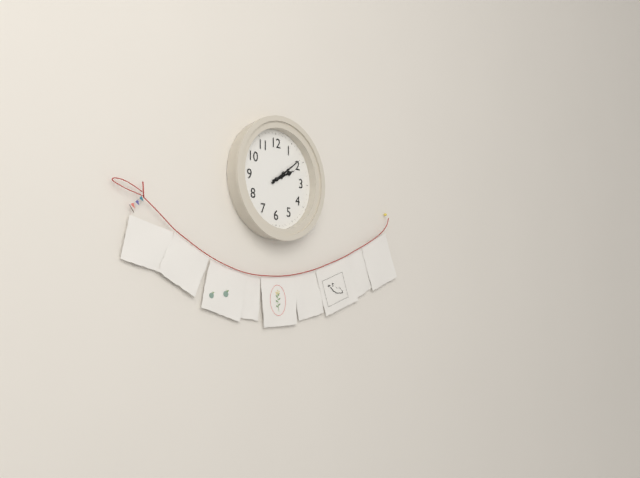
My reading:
2h09
